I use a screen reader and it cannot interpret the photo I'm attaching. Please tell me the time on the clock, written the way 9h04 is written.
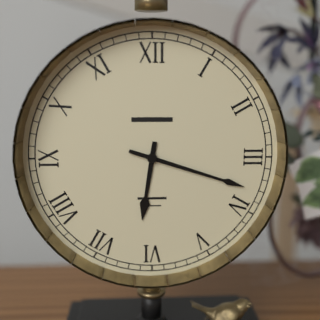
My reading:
6h18
